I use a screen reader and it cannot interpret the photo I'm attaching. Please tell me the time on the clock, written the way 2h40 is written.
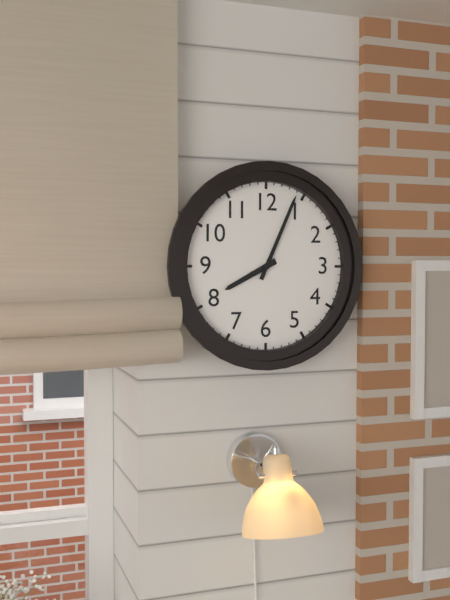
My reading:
8h04
